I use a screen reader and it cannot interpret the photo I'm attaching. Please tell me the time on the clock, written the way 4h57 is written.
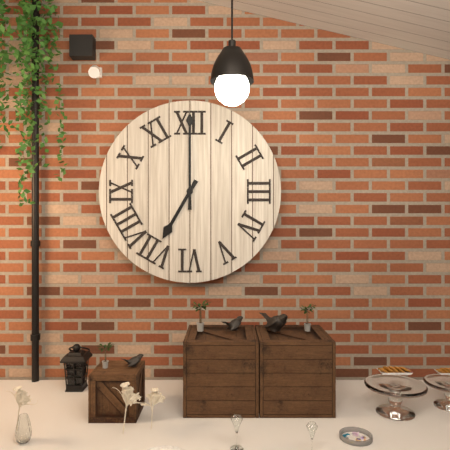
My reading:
7h00
